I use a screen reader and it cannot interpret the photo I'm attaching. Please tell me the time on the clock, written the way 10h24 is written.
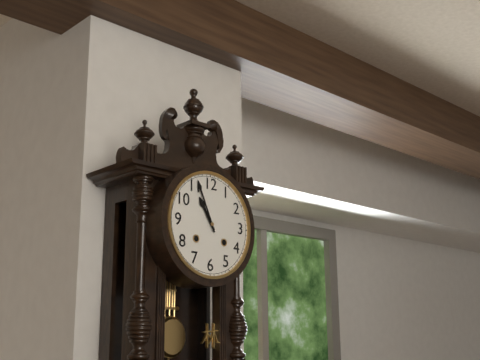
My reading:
10h56
